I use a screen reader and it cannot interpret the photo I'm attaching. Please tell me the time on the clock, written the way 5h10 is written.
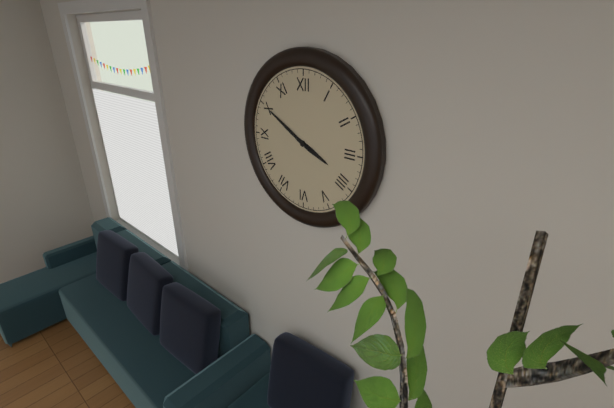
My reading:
3h50
